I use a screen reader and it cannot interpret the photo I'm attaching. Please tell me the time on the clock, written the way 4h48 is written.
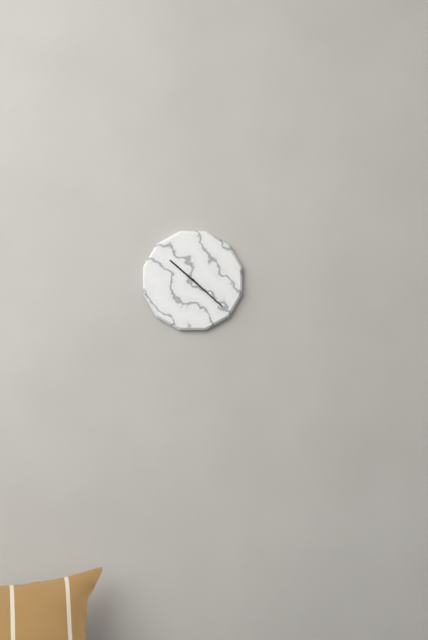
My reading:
10h22
